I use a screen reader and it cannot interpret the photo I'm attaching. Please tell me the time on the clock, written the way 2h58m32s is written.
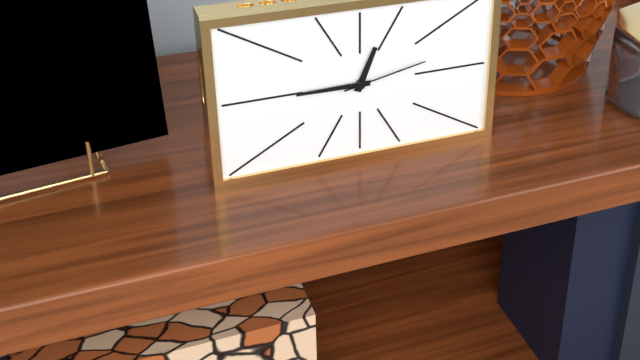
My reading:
12h45m13s
